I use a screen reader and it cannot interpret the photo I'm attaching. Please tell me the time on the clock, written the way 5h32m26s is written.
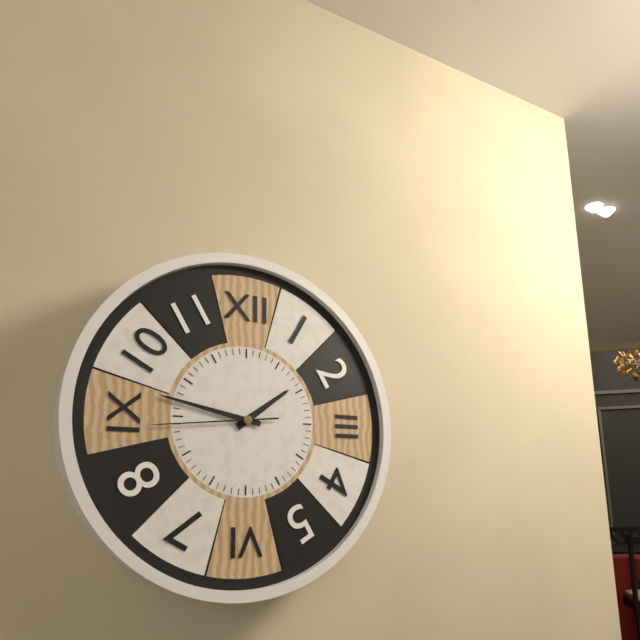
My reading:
1h47m44s
